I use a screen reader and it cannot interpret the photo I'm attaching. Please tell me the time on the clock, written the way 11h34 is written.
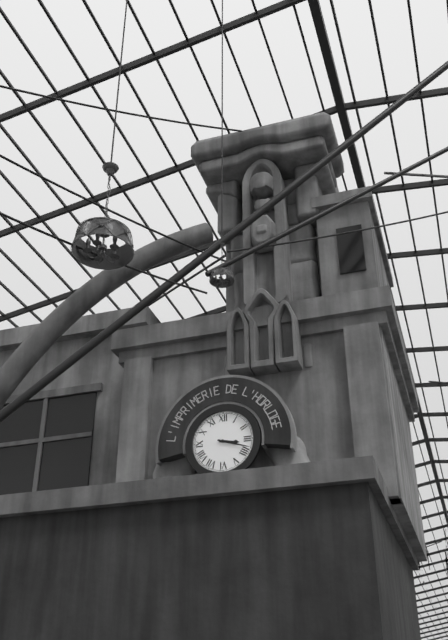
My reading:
3h18
